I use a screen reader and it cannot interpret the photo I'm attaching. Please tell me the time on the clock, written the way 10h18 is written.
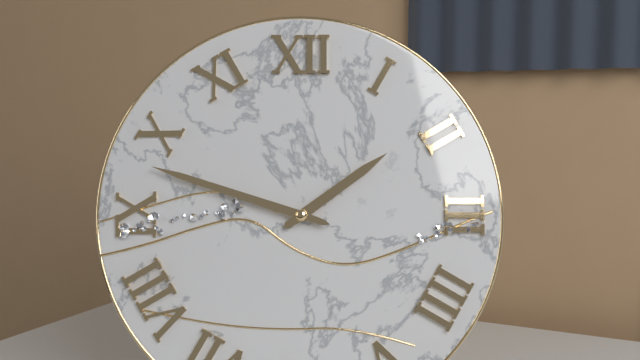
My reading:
1h48
